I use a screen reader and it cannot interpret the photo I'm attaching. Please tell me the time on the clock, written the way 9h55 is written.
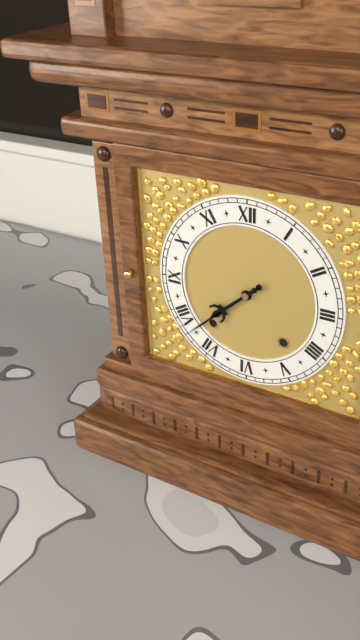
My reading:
7h38
